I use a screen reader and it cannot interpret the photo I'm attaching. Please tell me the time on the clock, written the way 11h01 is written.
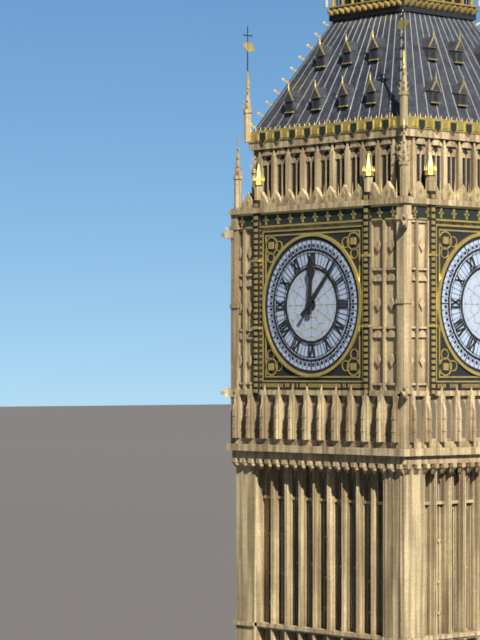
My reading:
12h07
